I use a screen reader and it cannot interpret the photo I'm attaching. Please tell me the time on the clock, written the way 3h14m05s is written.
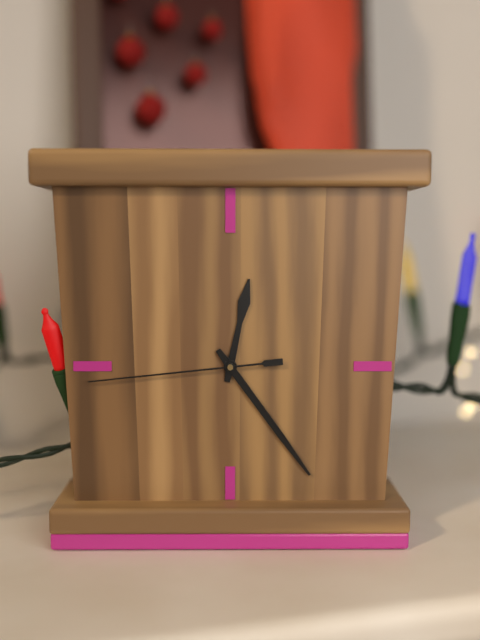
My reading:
12h24m44s
